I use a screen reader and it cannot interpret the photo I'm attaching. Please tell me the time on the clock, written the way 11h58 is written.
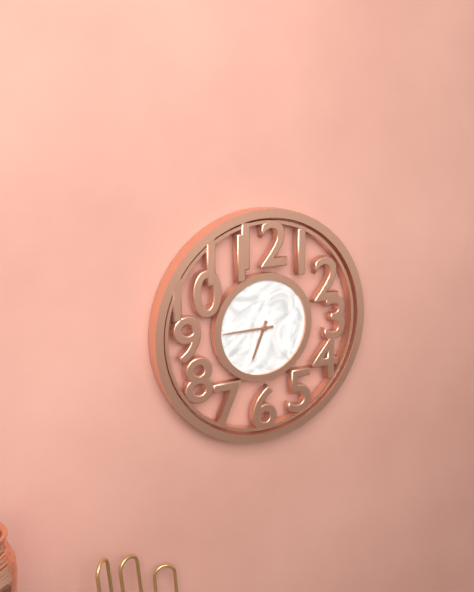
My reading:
6h45
